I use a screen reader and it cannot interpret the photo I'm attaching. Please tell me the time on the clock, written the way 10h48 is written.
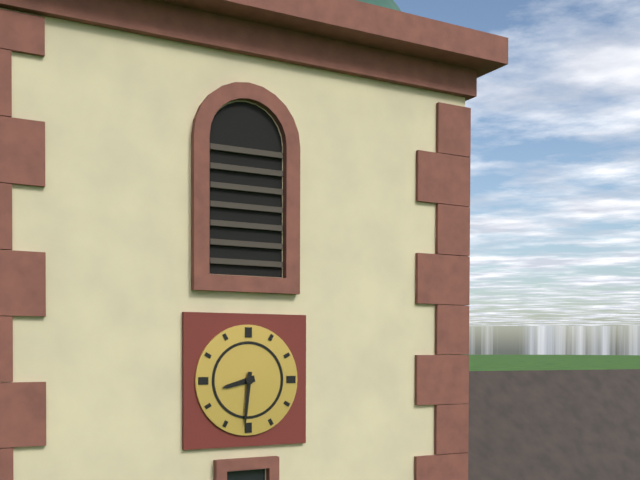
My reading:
8h31
